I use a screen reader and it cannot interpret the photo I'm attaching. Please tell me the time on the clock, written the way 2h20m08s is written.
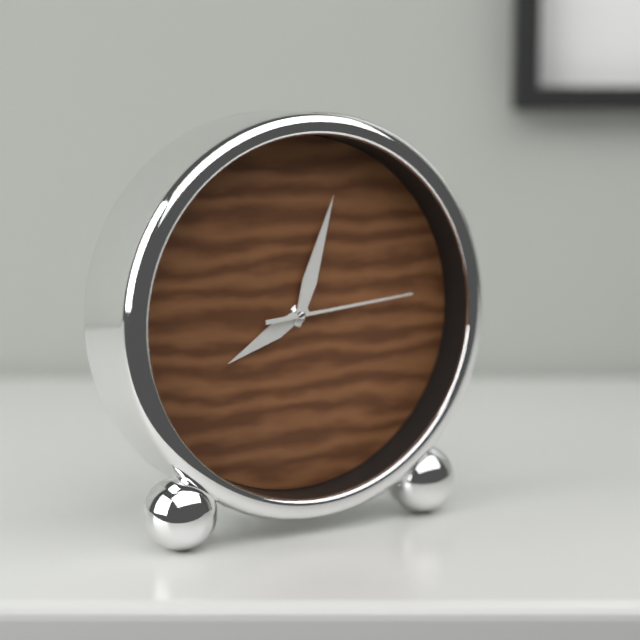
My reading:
8h03m14s
